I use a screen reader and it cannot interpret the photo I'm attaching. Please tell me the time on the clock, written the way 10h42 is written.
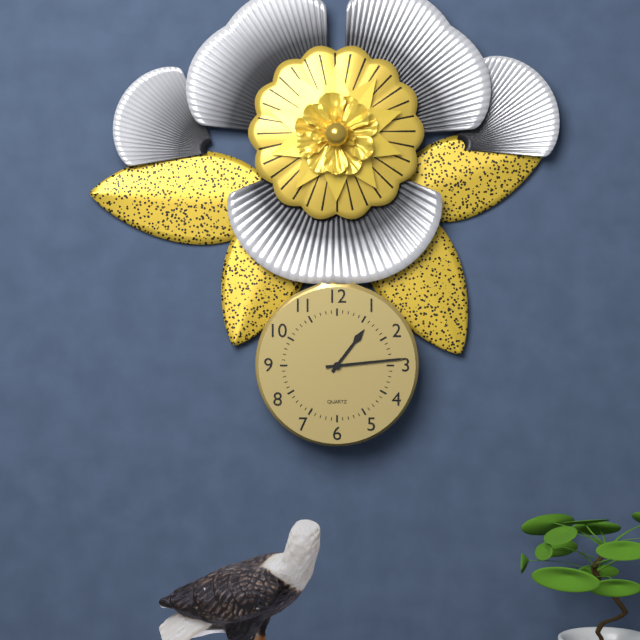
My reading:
1h14
